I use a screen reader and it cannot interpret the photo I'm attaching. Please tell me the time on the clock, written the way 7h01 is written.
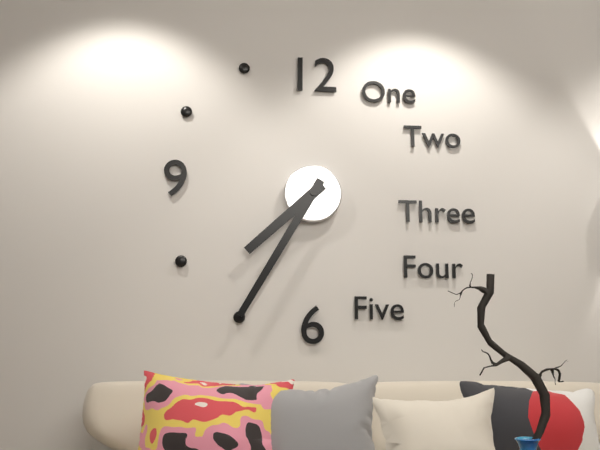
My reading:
7h35
